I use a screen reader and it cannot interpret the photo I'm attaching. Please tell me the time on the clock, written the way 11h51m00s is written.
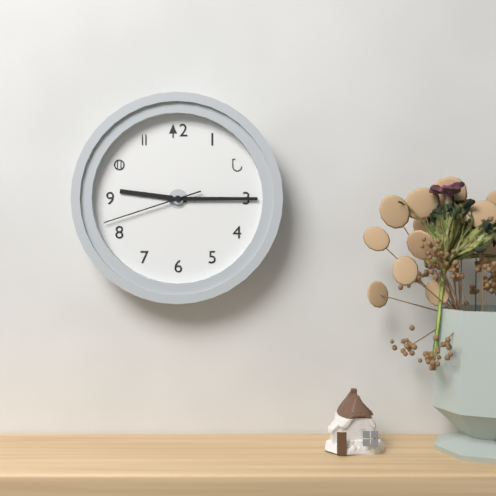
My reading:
9h15m42s
